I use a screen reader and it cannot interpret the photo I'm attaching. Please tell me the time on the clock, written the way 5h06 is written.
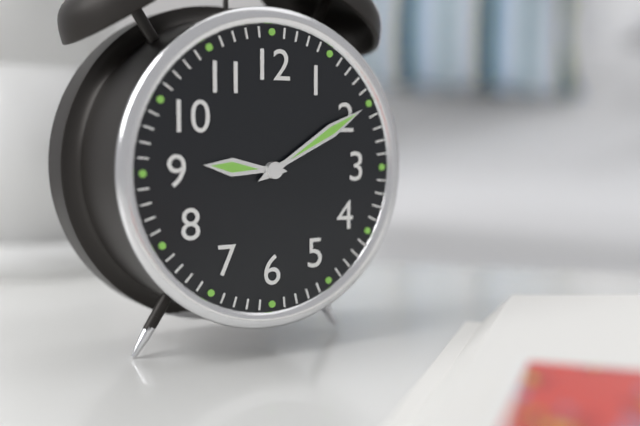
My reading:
9h10
